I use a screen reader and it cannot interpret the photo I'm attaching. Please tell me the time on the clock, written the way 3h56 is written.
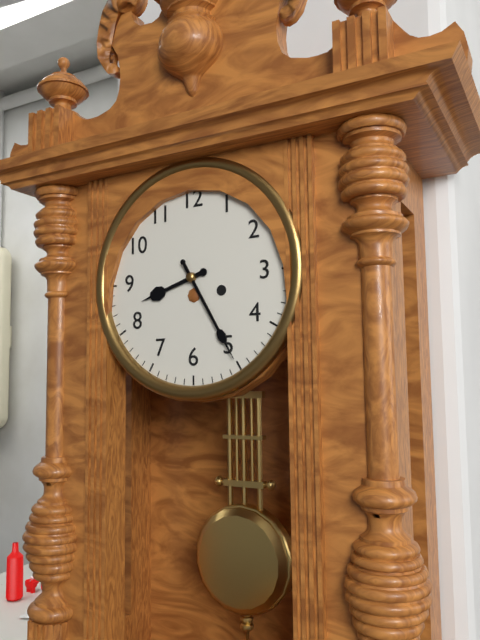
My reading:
8h25
